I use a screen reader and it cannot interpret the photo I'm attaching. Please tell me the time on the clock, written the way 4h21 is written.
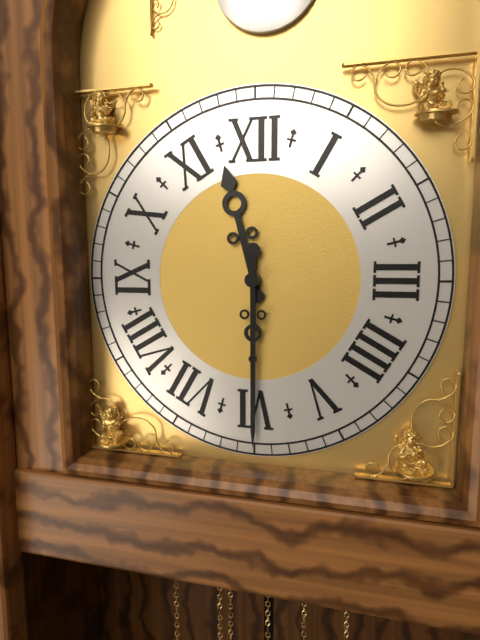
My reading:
11h30
